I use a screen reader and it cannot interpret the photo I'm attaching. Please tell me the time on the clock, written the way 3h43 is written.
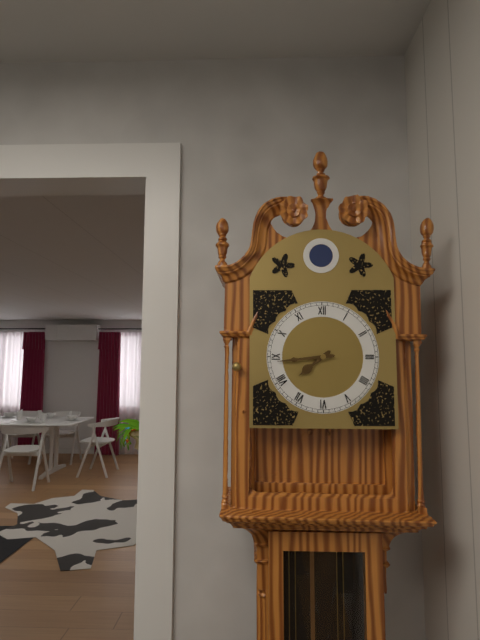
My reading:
7h44
